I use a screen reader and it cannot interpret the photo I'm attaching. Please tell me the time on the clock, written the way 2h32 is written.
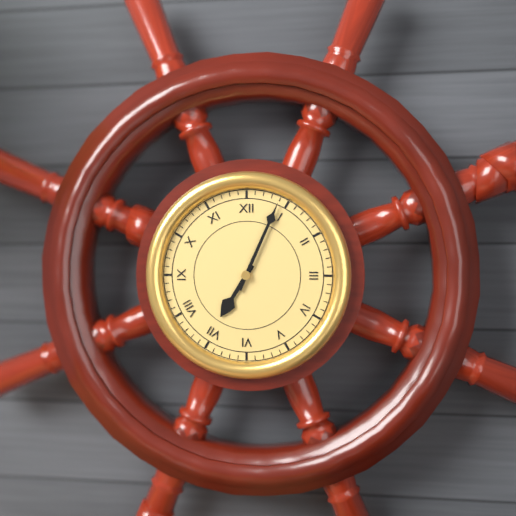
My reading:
7h04
